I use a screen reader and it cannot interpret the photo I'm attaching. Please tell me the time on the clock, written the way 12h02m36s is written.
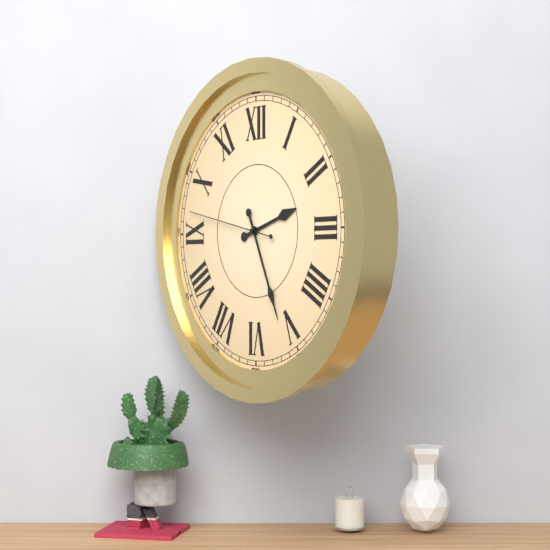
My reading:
2h26m47s
